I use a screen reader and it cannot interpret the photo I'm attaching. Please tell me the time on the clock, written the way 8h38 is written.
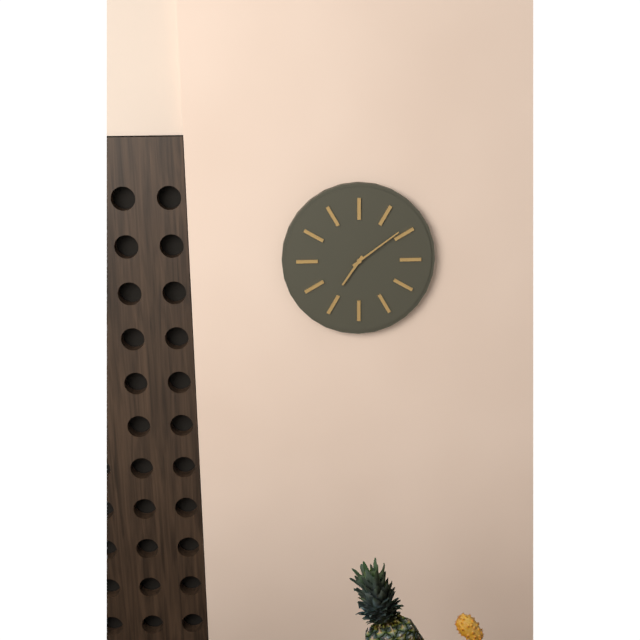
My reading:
7h09
